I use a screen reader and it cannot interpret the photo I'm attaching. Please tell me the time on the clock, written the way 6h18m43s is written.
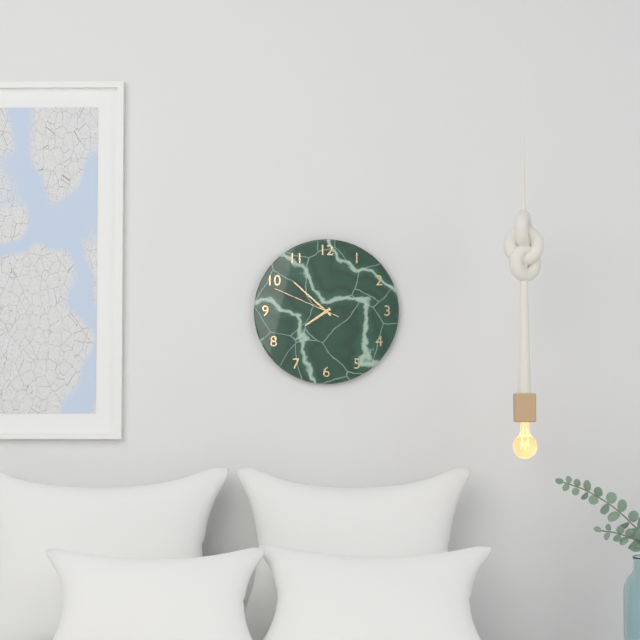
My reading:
7h52m49s
